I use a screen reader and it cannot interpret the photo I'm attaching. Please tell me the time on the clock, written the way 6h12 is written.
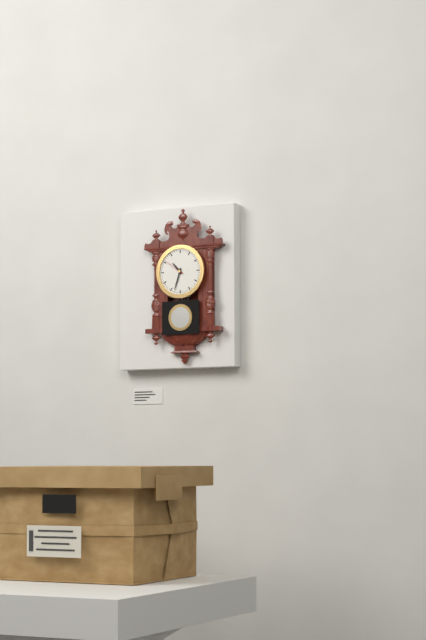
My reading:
10h33
